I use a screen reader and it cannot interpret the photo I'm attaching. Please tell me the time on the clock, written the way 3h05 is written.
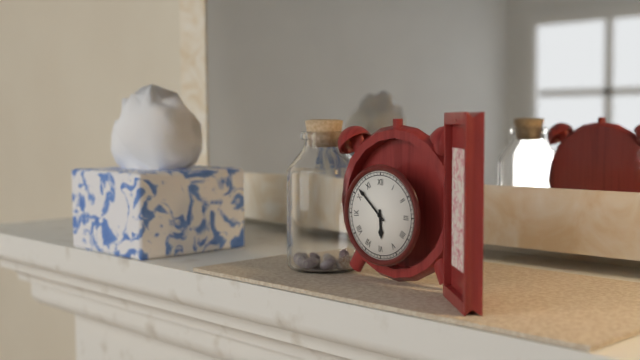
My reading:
5h52
